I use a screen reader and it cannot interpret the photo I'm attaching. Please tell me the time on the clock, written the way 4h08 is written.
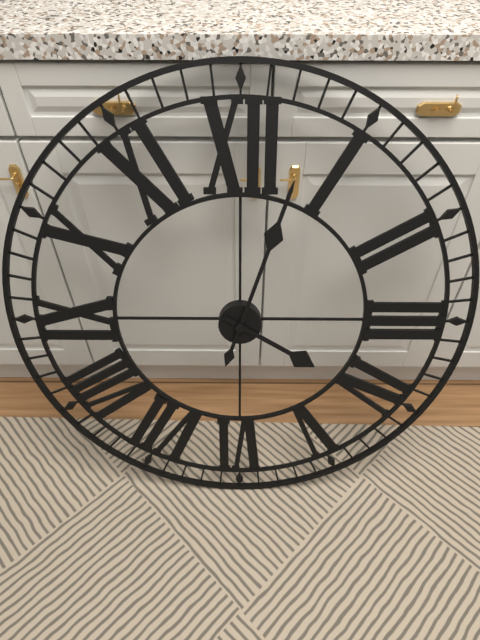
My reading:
4h03
